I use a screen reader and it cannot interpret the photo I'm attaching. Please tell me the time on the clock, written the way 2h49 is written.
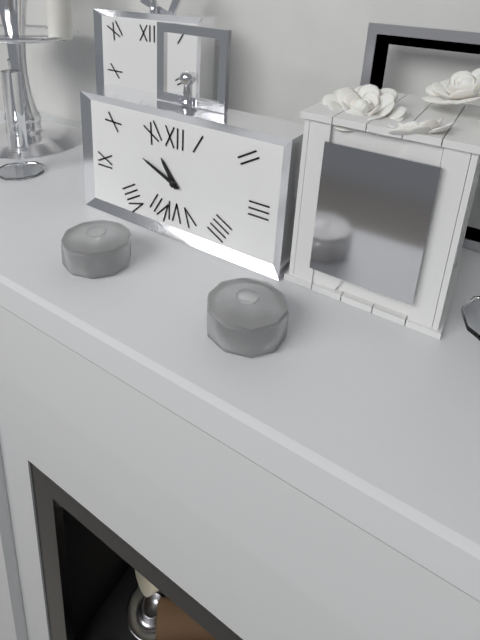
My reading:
10h49
